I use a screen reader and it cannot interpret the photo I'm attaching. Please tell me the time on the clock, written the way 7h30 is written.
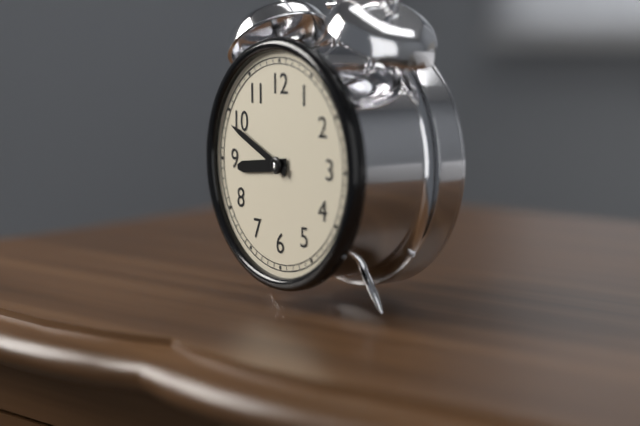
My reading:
8h49
